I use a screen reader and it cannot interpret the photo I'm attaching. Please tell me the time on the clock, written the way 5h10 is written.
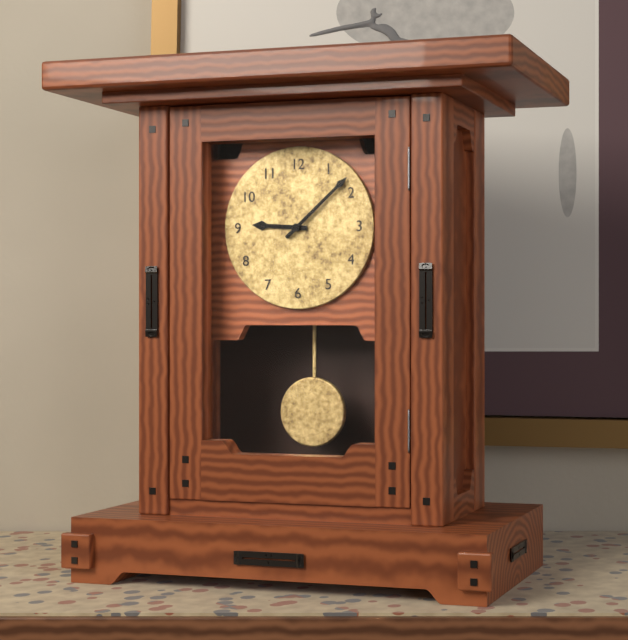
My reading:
9h08
